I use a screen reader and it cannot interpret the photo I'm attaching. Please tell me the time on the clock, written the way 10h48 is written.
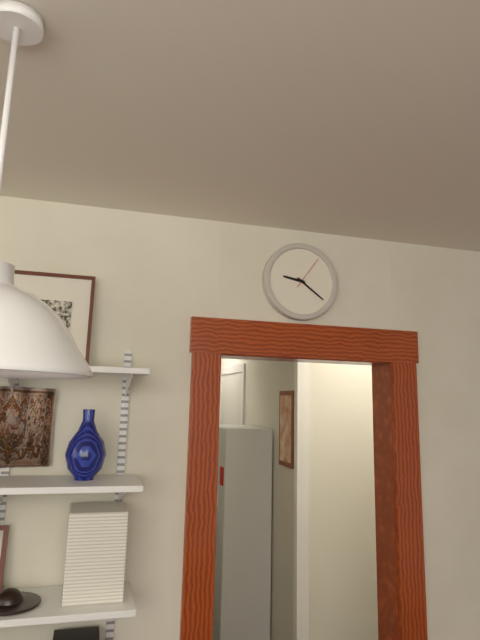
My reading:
9h21
